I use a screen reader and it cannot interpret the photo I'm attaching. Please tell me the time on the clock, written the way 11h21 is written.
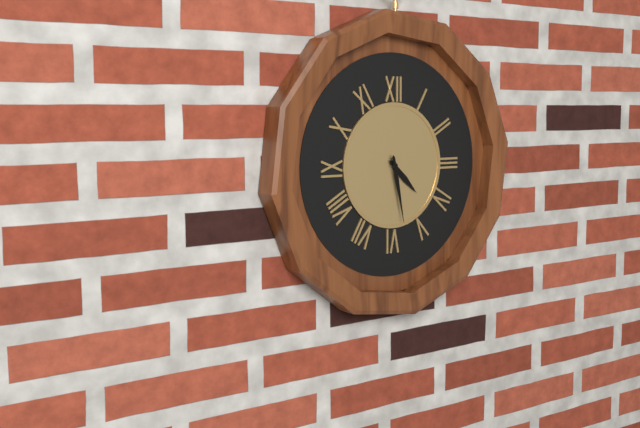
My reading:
4h28
